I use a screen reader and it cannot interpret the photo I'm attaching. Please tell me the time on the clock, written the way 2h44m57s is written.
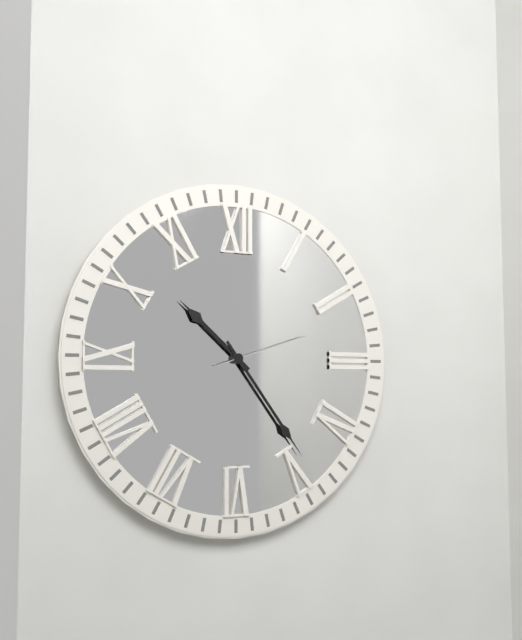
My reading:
10h24m12s
